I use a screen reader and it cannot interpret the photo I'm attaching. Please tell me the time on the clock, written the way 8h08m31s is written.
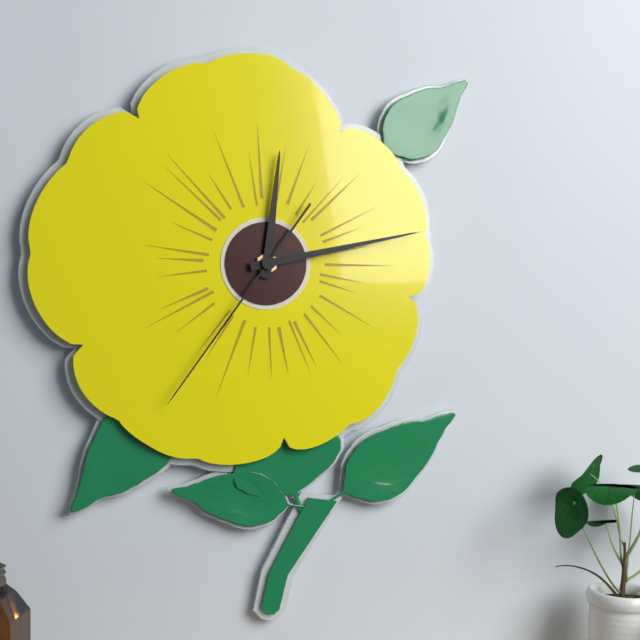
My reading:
12h13m36s
